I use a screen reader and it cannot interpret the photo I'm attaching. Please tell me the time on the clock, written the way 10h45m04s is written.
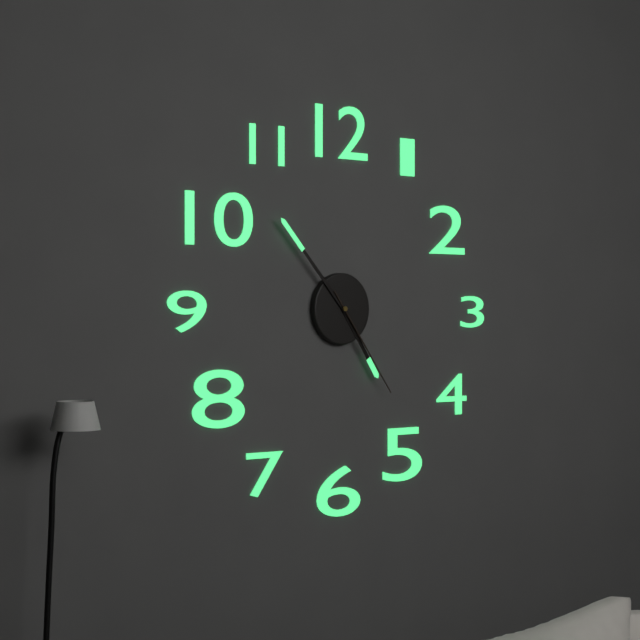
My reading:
4h53m24s
